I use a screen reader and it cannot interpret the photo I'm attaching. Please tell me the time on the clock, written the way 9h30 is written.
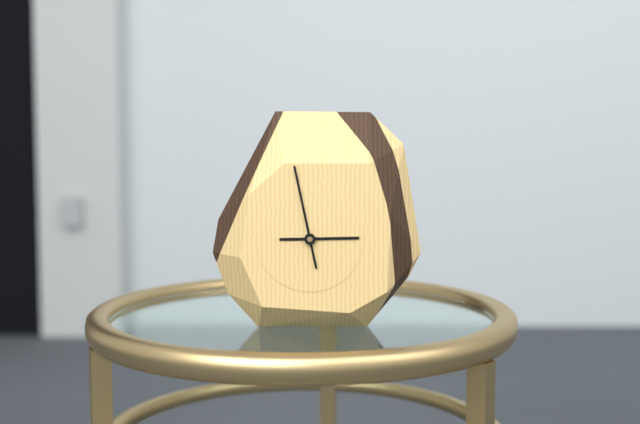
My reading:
2h58
